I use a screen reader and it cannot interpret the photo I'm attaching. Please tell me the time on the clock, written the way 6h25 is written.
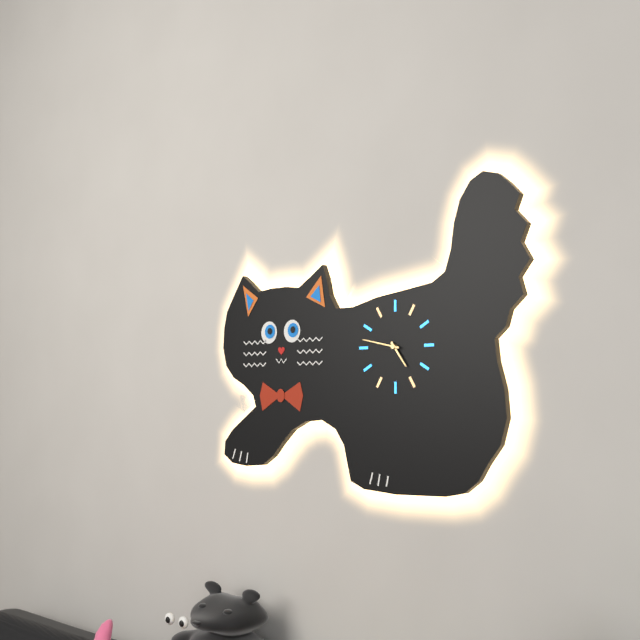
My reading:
4h47
